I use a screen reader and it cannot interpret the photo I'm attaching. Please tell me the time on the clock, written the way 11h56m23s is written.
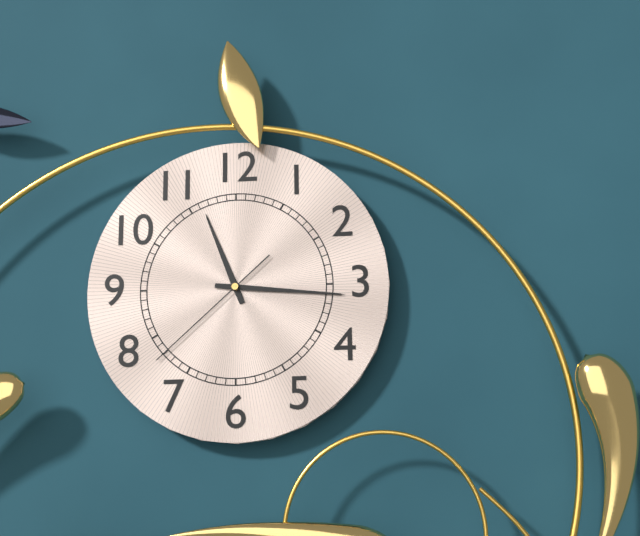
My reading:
11h16m38s
